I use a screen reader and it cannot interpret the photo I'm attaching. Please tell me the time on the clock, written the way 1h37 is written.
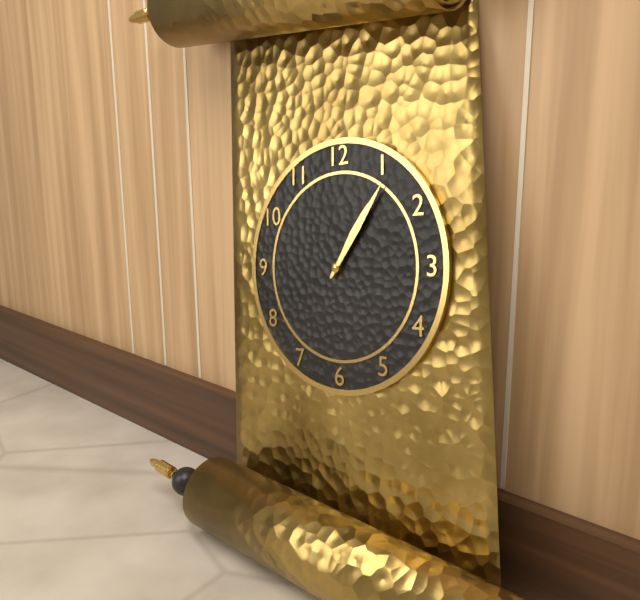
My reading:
1h06
